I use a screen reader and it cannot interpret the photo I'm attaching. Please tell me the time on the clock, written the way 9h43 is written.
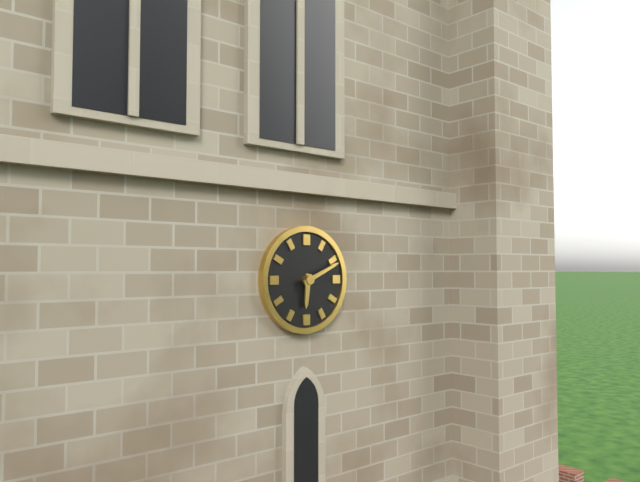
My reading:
6h11
